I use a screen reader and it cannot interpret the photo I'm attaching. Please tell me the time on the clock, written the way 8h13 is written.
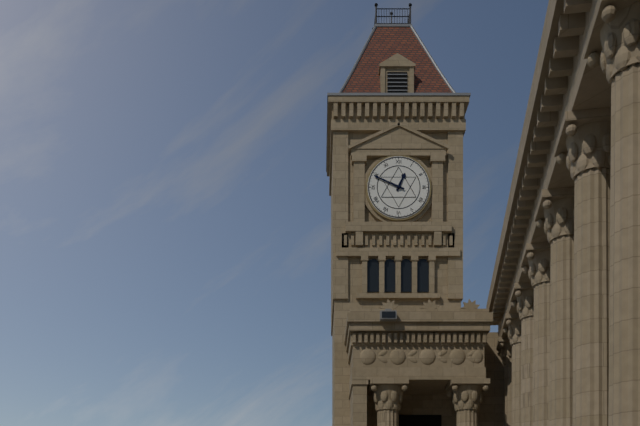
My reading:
12h49
